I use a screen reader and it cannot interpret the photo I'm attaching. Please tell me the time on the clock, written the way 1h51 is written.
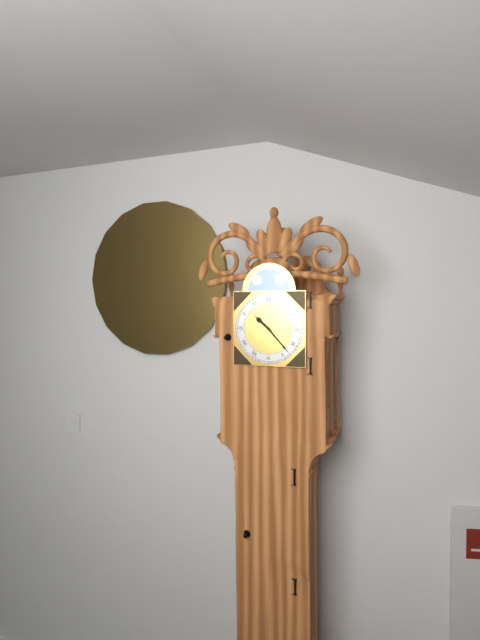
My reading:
10h23
